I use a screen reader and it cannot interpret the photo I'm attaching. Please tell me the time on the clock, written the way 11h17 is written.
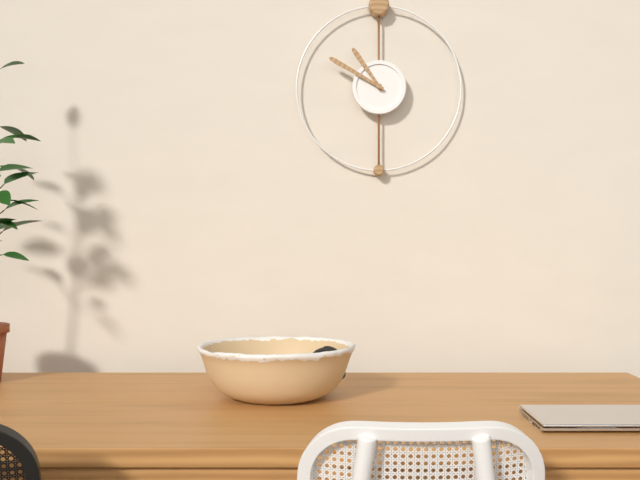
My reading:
10h50
